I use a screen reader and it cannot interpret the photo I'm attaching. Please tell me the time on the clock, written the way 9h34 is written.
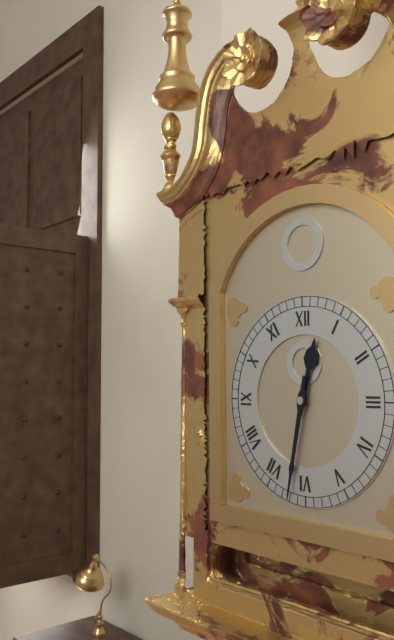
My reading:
12h32
